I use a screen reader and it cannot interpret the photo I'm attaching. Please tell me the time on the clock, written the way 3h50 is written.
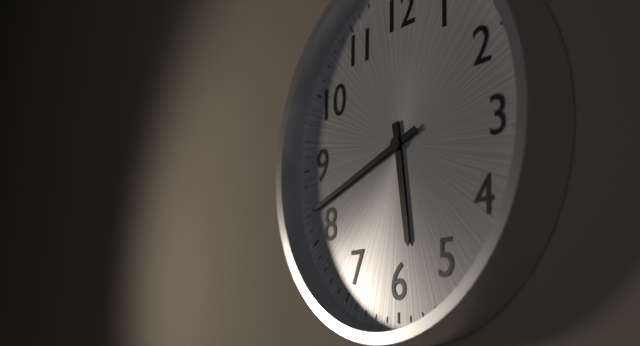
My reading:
5h42
